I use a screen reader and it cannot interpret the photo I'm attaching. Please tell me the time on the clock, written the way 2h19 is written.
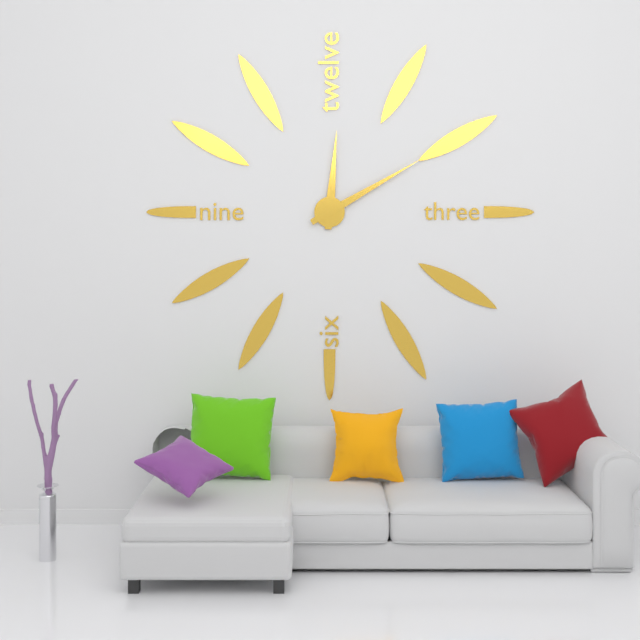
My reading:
12h10
